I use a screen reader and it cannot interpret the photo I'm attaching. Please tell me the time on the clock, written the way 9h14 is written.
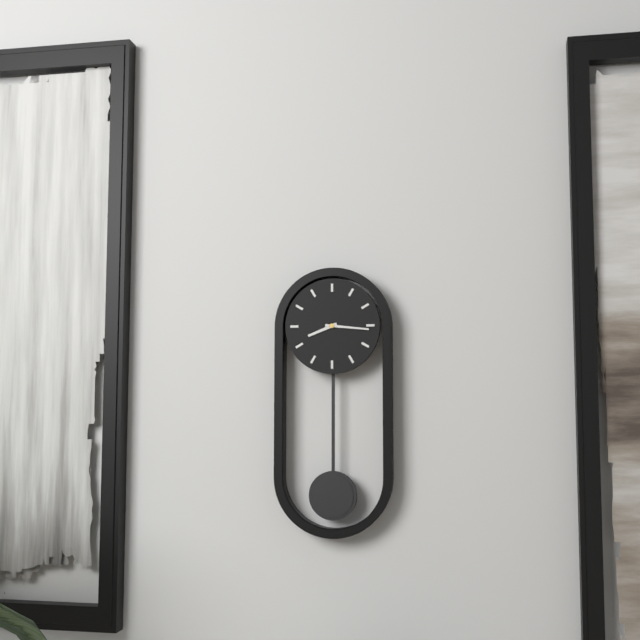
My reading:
8h16
